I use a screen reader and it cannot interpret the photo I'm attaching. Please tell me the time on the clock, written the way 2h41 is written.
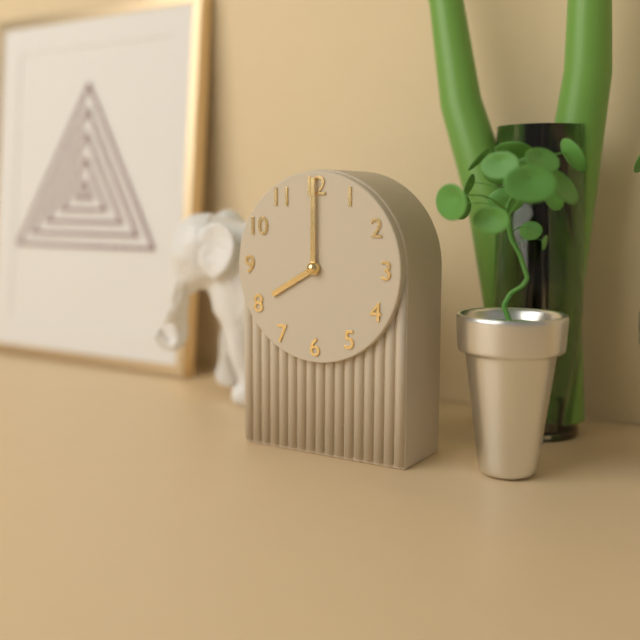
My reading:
8h00
